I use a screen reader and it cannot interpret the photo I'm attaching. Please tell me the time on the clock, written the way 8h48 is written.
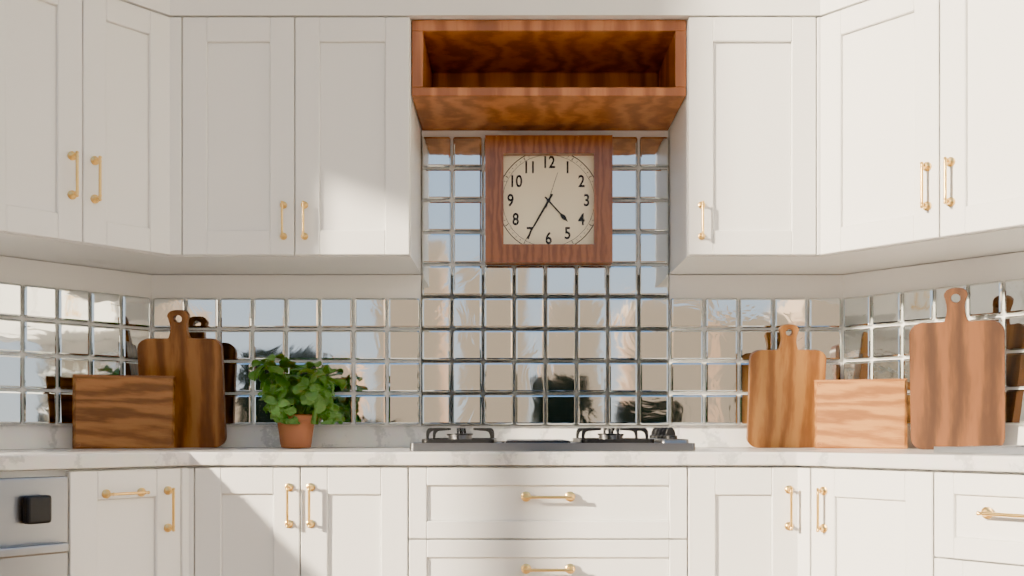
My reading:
4h35
